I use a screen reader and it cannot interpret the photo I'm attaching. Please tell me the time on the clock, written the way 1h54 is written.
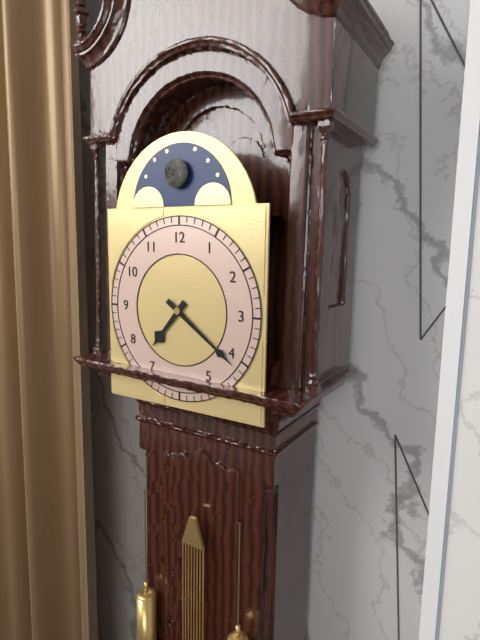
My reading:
7h21
